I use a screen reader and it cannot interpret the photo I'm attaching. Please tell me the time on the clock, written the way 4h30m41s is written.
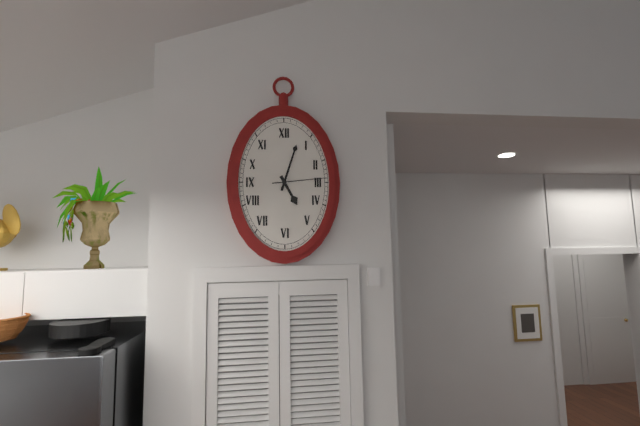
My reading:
5h03m14s
